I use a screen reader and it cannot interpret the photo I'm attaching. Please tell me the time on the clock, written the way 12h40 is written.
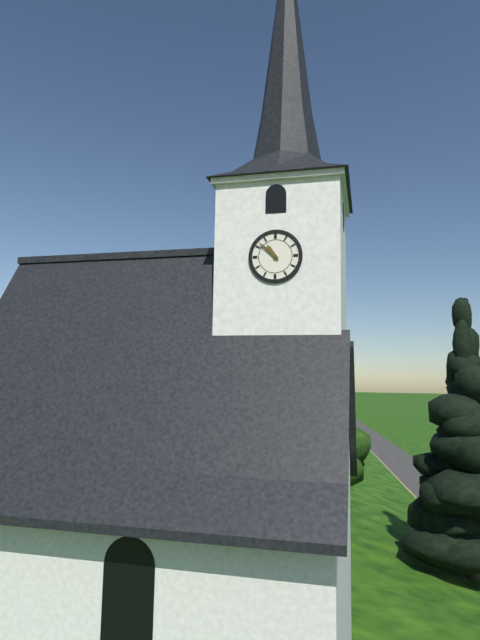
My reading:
10h52
